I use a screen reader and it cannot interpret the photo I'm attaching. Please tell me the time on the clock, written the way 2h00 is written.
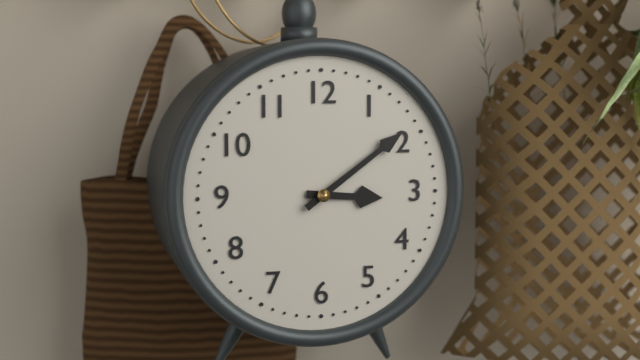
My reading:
3h09
